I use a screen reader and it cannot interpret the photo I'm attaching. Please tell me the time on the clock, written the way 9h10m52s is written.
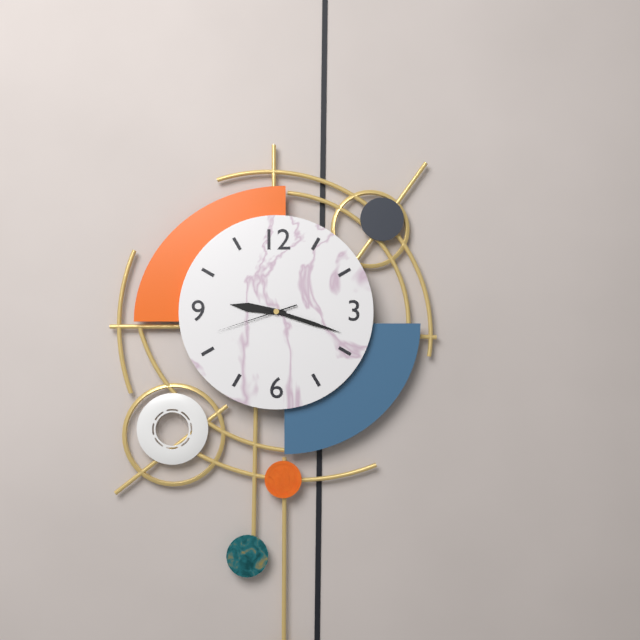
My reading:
9h18m42s
